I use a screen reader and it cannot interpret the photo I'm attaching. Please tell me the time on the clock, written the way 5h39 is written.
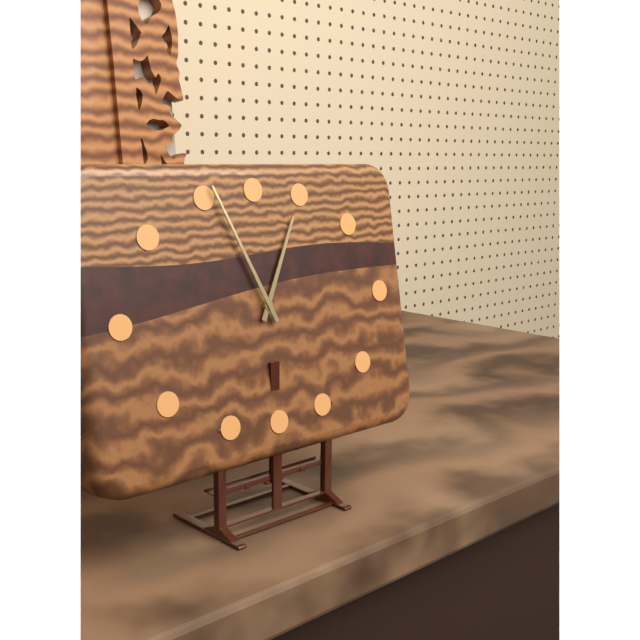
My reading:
12h56
